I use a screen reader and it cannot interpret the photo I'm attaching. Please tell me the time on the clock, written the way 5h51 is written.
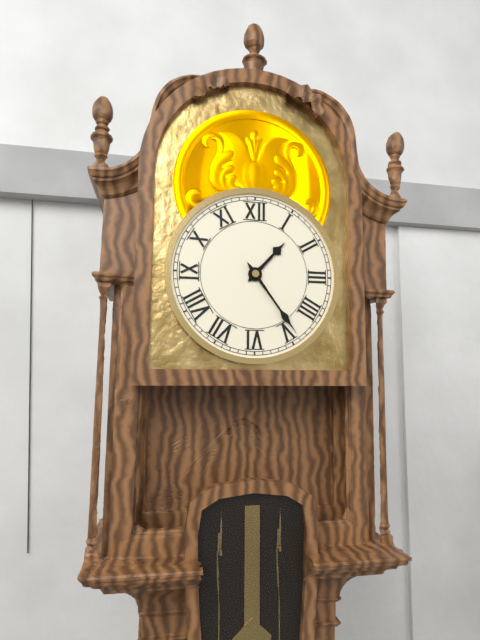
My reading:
1h24
